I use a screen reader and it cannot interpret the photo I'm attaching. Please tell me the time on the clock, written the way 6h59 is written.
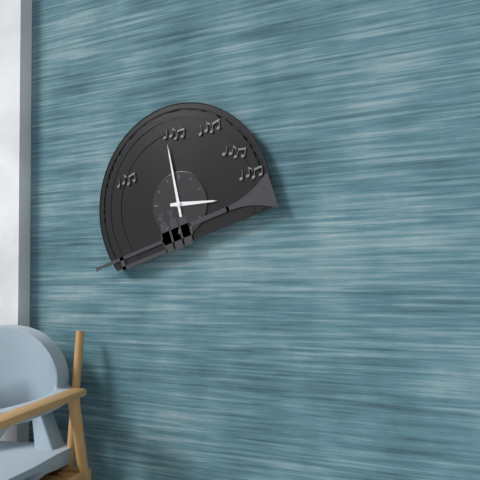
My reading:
2h58
